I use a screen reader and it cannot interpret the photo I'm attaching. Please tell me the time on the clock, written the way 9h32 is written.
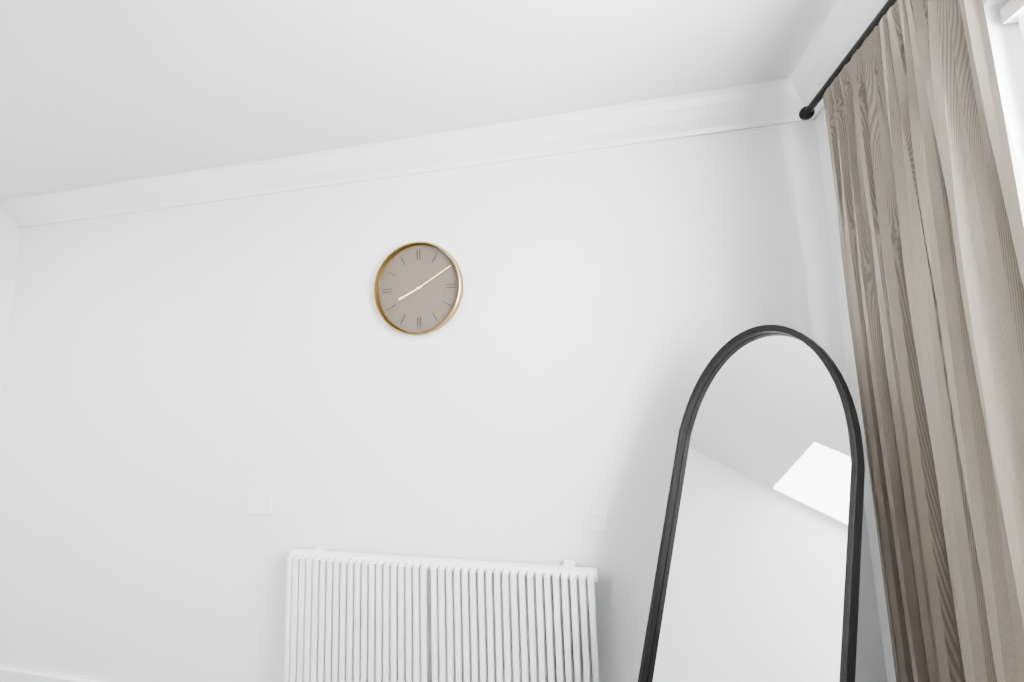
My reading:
8h10
